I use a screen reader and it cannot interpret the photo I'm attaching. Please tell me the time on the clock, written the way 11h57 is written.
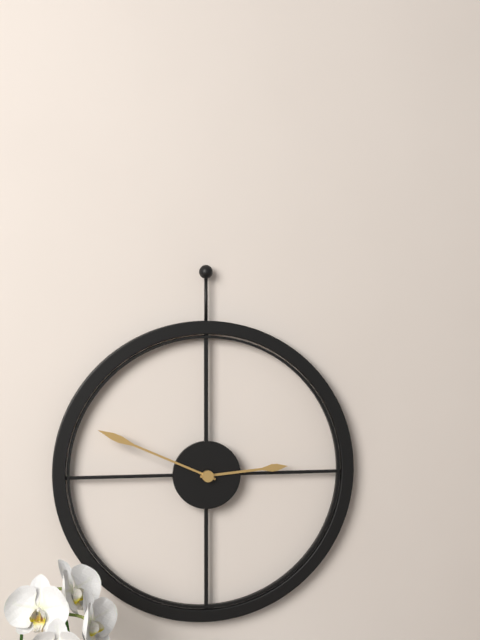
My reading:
2h49
